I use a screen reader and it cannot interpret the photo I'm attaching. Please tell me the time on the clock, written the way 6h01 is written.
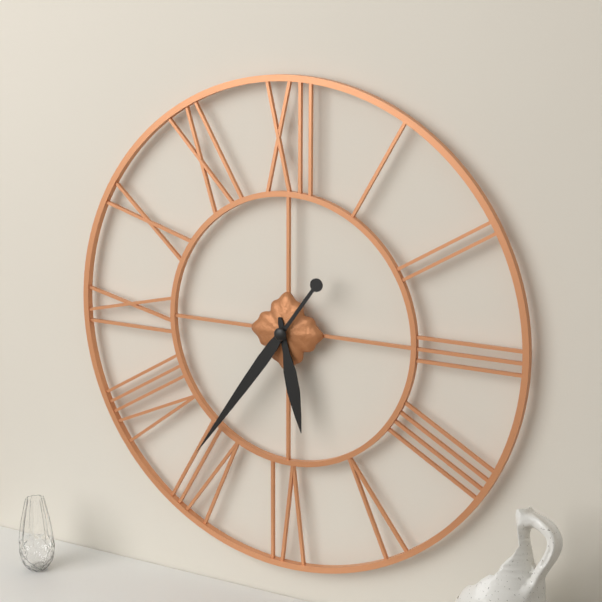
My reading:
5h36
